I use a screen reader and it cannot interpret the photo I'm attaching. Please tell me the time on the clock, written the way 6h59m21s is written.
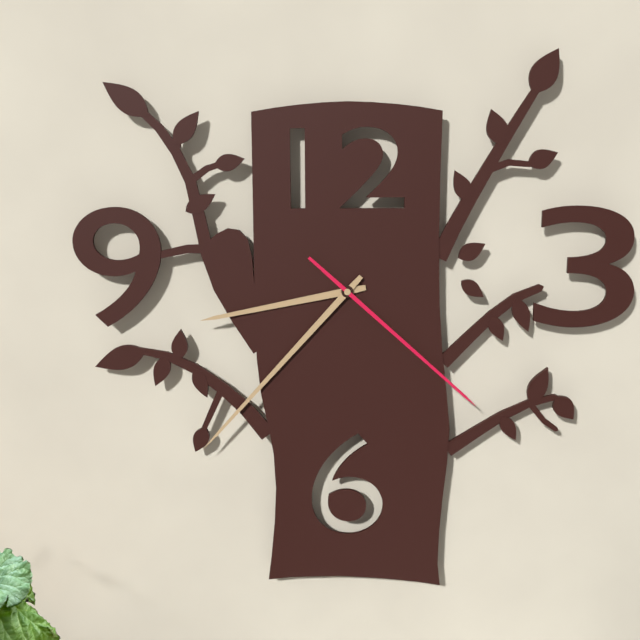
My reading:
8h37m22s
